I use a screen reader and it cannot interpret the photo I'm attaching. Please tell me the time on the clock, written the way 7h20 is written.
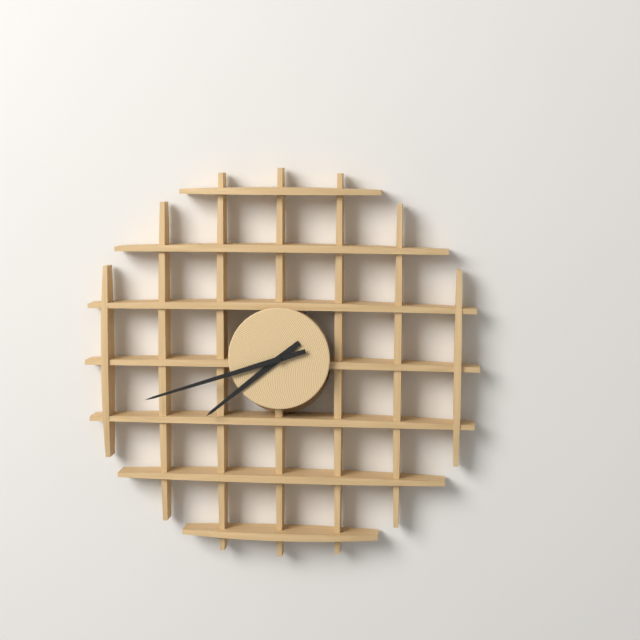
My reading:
7h42
